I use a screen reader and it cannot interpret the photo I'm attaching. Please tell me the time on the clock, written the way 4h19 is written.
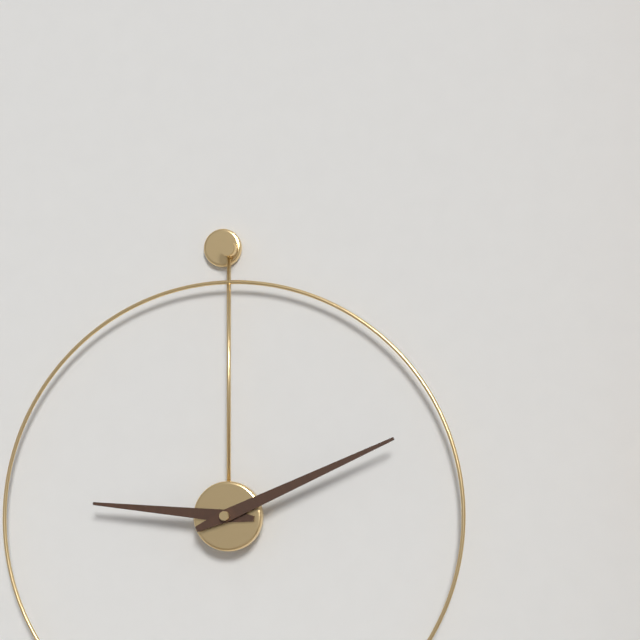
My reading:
9h11
